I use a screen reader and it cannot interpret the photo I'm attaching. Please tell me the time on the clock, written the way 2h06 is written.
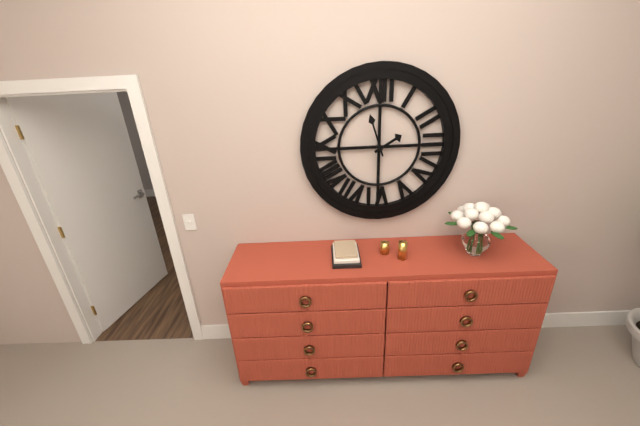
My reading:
1h57
